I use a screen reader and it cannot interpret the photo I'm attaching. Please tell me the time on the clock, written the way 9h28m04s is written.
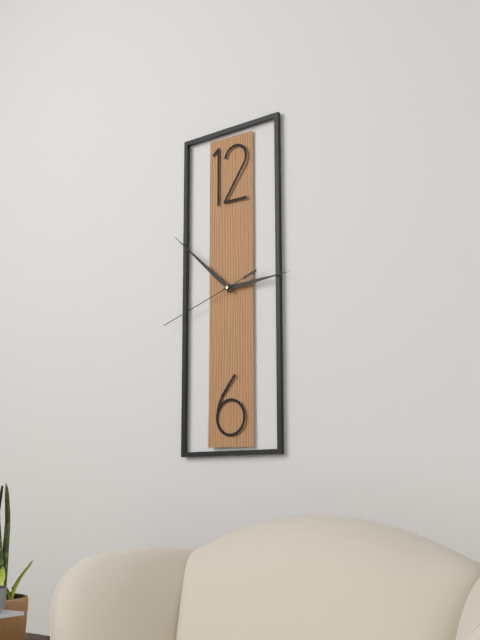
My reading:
2h52m42s
